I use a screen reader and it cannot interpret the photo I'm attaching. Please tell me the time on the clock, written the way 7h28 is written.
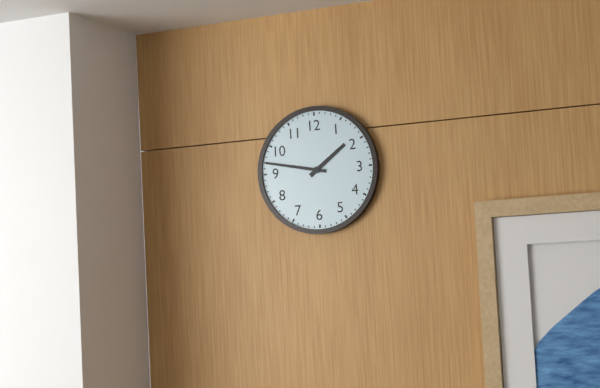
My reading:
1h47
